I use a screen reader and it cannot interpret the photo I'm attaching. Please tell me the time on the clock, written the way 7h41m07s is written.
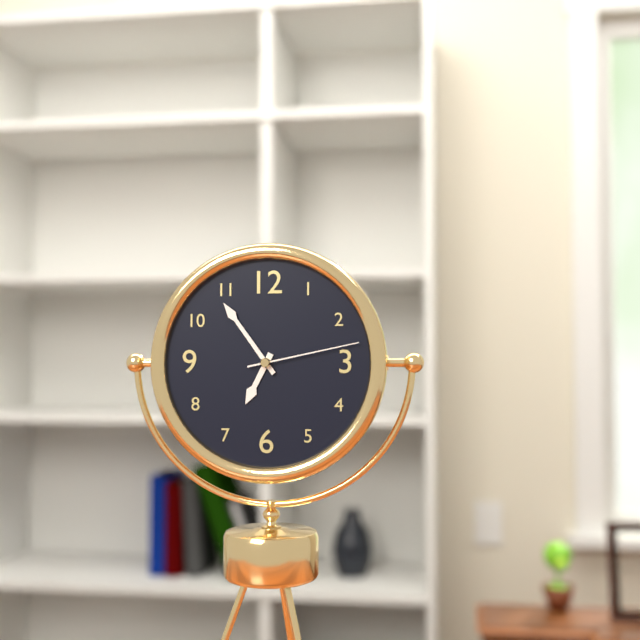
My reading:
6h54m13s
